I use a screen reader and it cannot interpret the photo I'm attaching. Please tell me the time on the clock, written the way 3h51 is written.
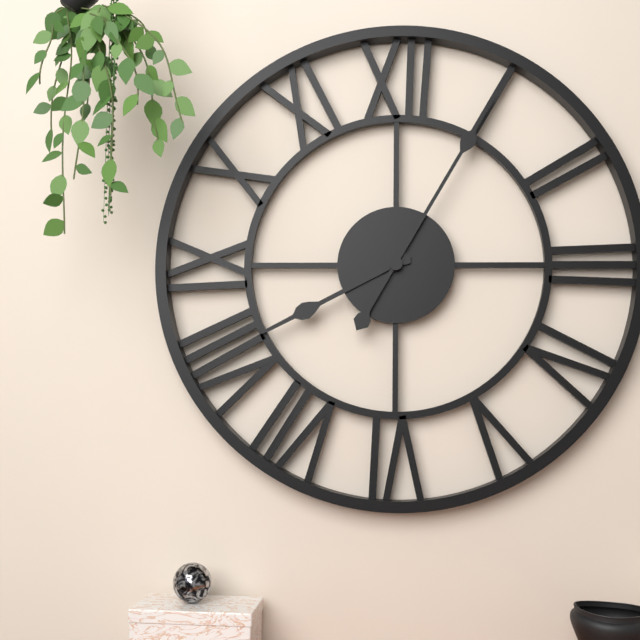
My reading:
8h05
